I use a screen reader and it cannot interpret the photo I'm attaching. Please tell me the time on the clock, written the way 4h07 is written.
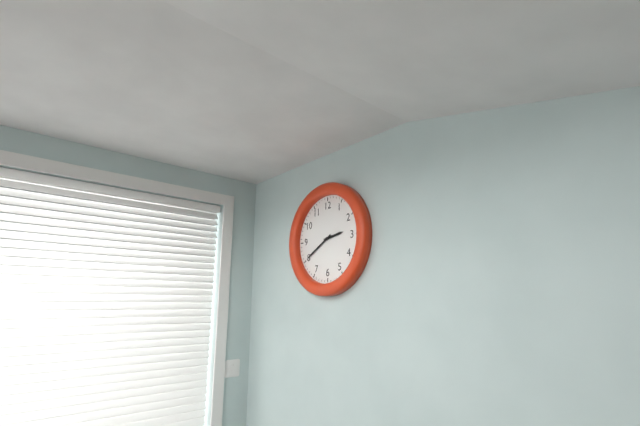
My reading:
2h40
